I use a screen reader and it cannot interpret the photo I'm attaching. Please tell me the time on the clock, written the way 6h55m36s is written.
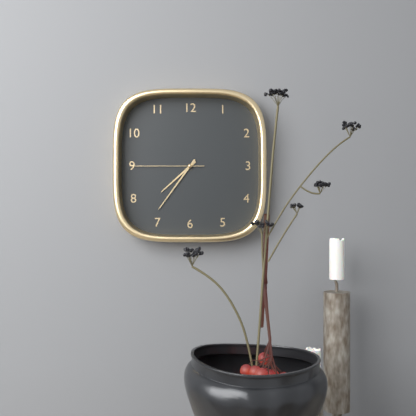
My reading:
7h36m45s
